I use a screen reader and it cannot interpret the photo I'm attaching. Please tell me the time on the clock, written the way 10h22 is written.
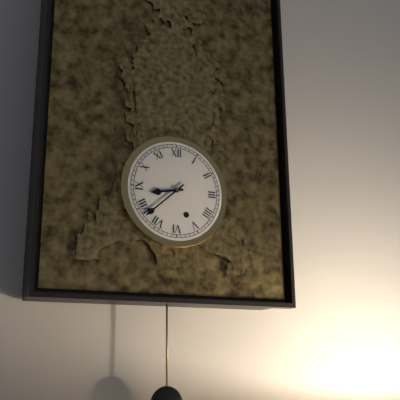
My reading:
8h38
